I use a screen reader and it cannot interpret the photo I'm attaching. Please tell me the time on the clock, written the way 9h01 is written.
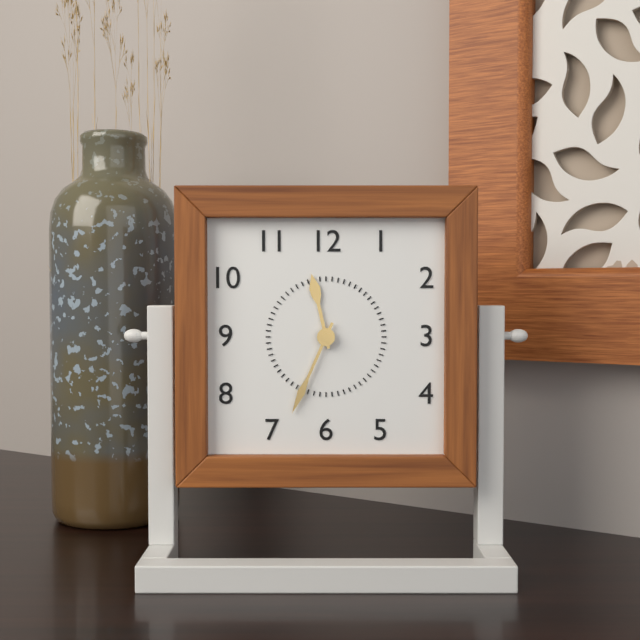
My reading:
11h34
